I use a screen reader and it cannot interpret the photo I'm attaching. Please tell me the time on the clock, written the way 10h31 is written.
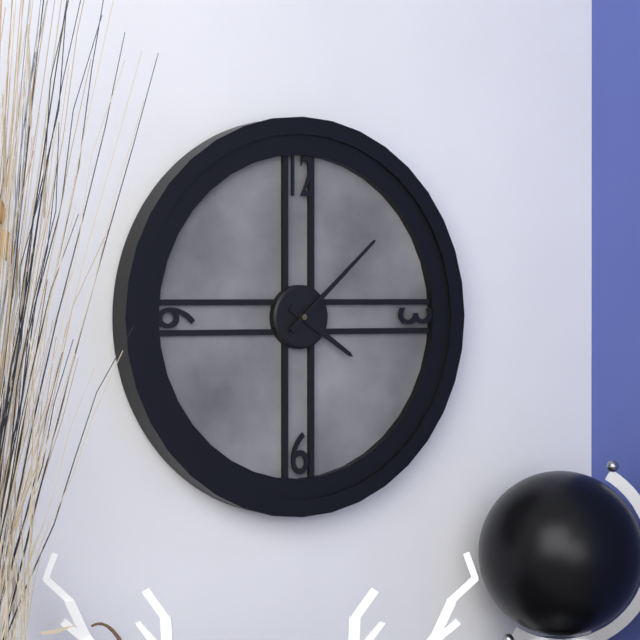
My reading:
4h08
